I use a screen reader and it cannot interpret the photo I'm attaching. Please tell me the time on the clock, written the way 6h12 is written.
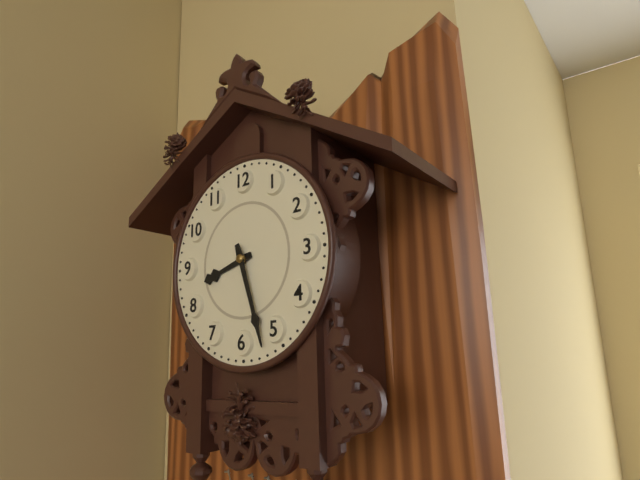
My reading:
8h27
